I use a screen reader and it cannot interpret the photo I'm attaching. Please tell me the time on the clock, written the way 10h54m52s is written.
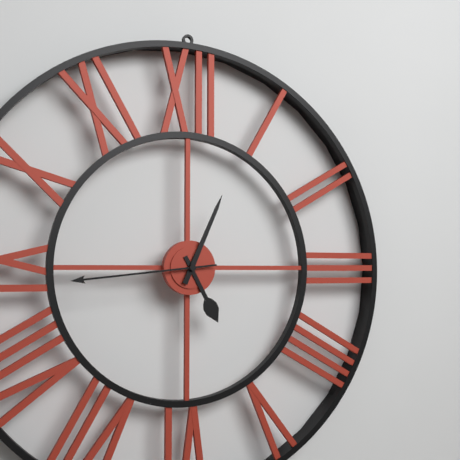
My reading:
5h04m44s
